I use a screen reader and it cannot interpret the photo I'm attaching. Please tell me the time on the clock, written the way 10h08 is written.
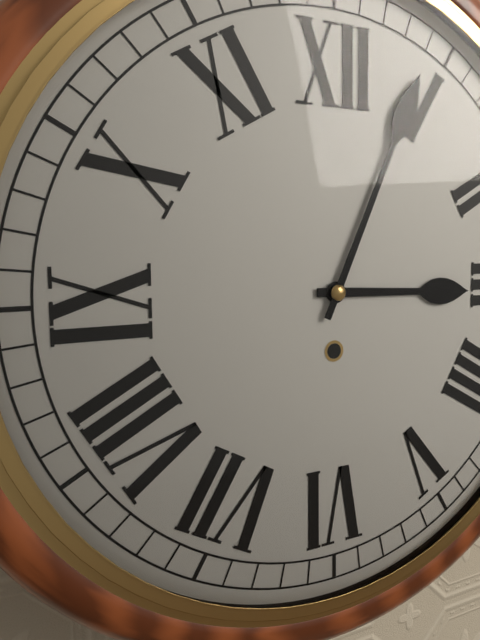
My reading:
3h04
